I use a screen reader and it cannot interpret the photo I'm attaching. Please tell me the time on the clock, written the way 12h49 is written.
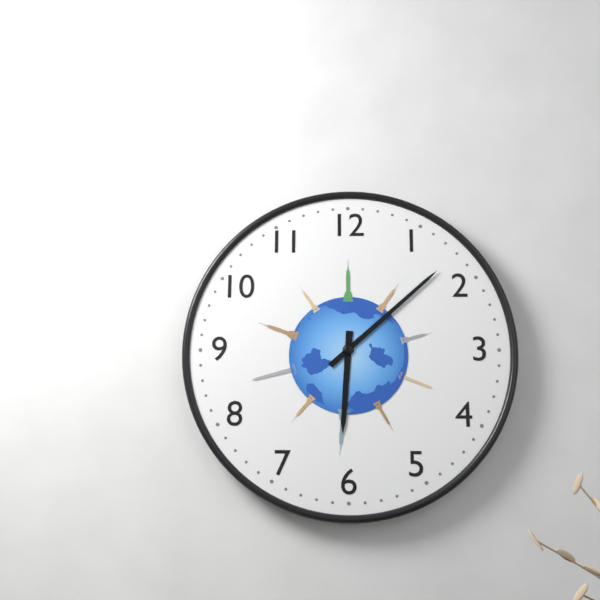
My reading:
6h08
